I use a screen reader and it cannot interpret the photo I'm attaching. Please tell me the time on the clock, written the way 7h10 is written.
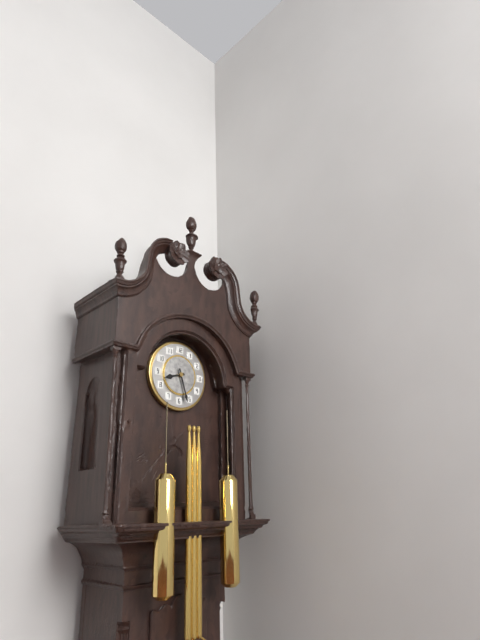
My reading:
8h27
